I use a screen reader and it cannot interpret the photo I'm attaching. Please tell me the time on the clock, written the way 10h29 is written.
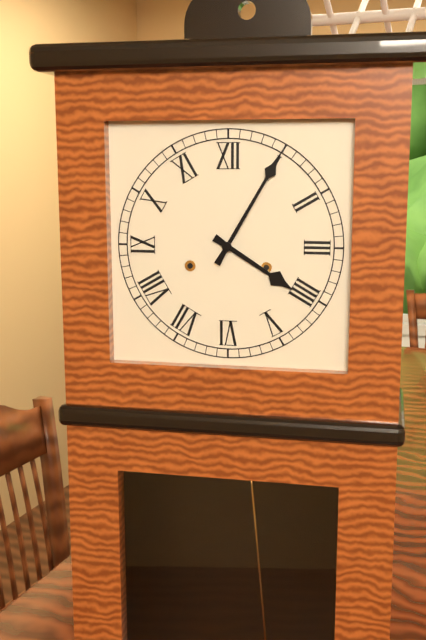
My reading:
4h05
